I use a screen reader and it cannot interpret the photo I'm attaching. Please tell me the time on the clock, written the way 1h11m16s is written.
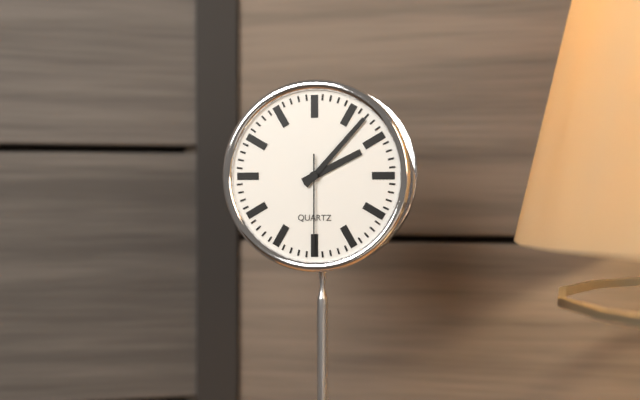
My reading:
2h07m30s
